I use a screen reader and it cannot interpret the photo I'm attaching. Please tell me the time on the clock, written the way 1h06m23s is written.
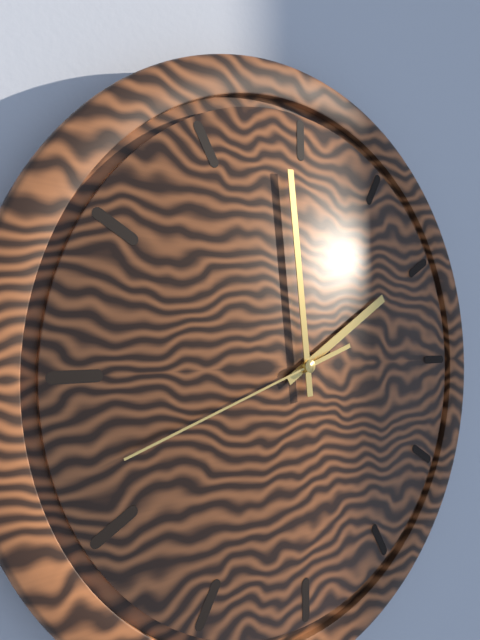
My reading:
1h59m42s
